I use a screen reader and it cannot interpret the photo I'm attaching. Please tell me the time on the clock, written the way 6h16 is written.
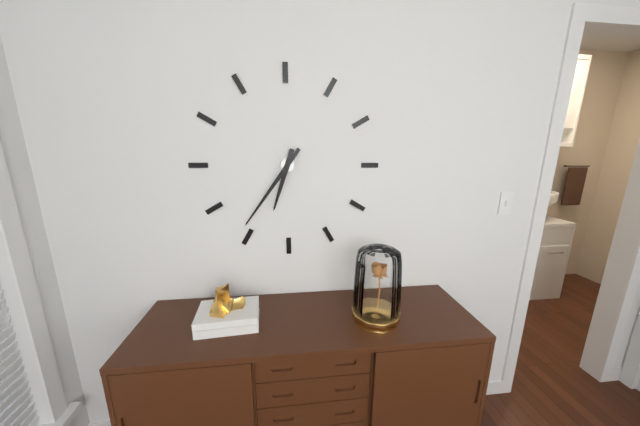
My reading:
6h36
